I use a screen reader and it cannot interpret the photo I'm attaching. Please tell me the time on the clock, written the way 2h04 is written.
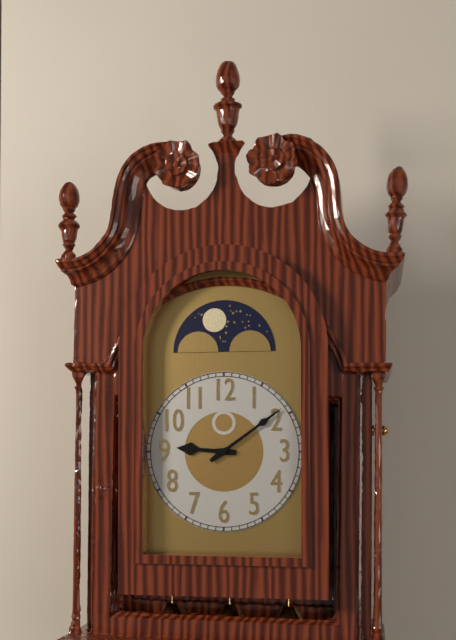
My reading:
9h09
